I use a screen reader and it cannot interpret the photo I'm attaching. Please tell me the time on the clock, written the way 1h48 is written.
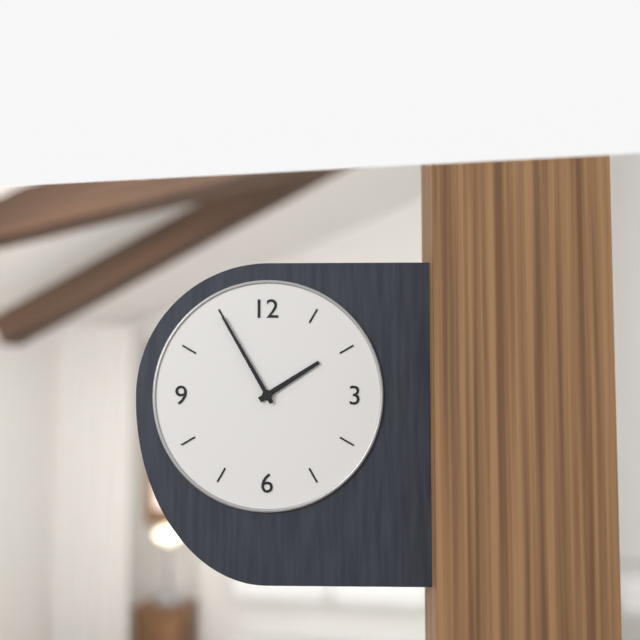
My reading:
1h55
